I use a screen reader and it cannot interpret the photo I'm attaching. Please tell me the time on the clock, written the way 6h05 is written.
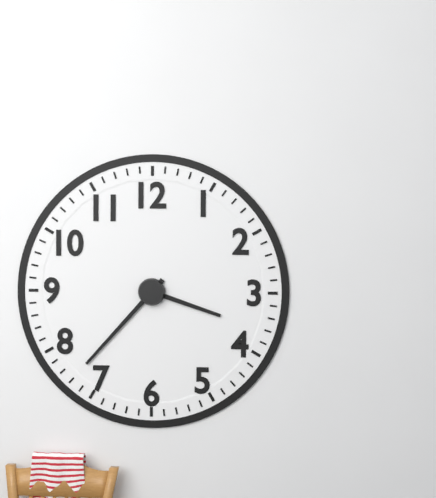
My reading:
3h37
